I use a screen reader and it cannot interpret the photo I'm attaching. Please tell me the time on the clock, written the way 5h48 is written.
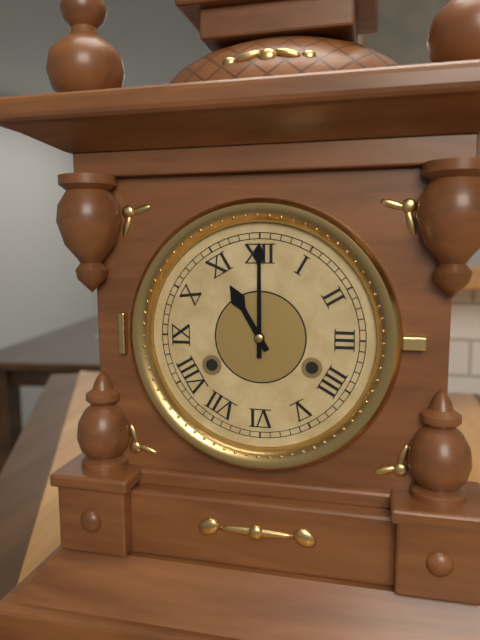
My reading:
11h00
